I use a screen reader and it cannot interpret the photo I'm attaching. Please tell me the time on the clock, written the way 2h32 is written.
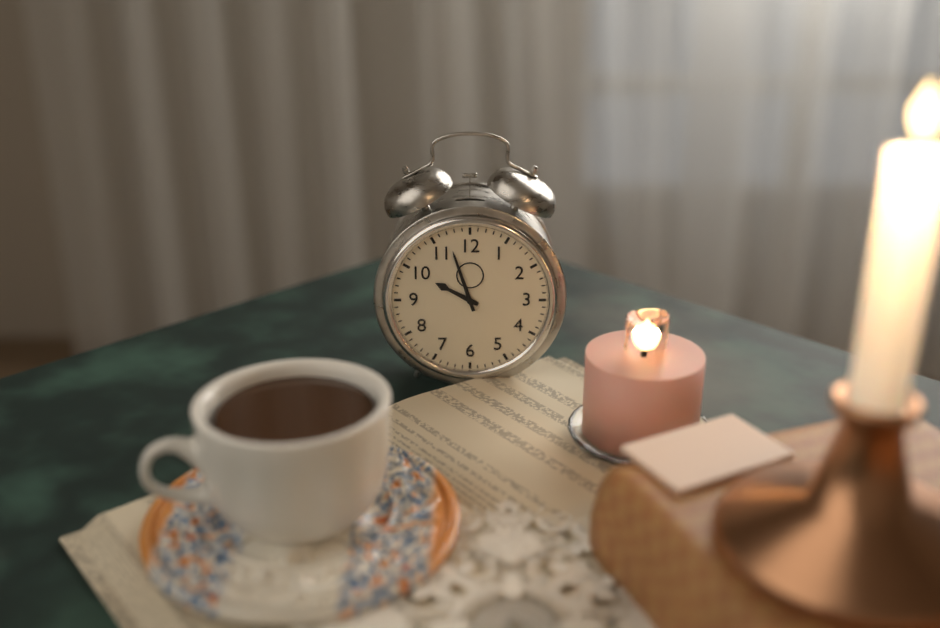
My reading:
9h57
